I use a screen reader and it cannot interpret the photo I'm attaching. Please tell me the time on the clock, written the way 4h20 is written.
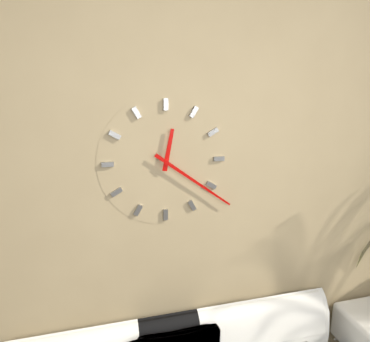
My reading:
12h21
